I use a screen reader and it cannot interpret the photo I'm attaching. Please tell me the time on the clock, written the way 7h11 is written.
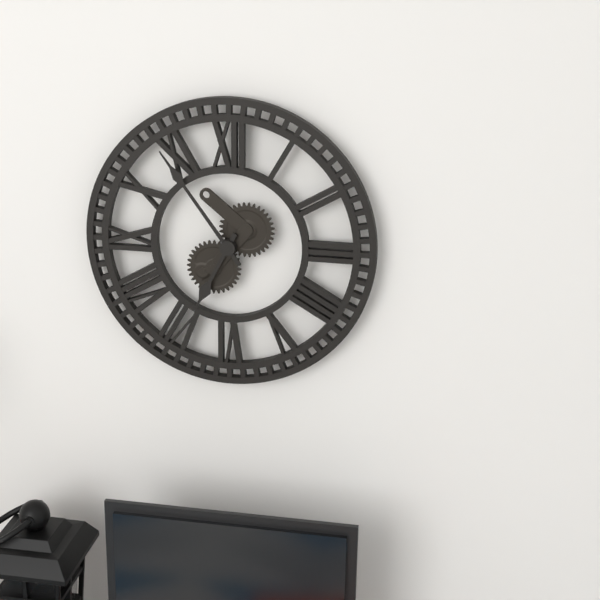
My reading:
6h54
